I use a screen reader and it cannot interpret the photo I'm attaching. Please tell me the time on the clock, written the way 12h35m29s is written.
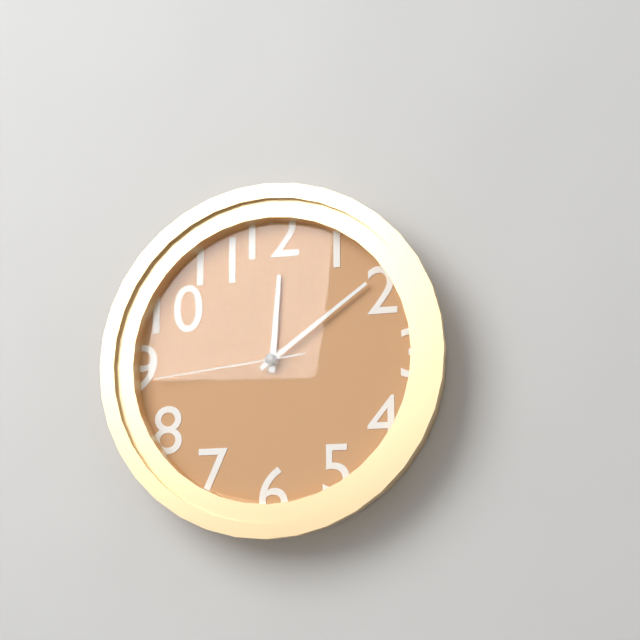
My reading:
12h09m44s
